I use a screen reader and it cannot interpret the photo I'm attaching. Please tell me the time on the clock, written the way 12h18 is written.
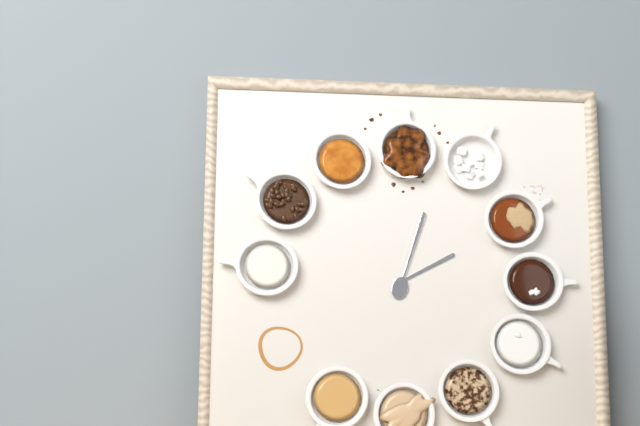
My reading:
2h03
